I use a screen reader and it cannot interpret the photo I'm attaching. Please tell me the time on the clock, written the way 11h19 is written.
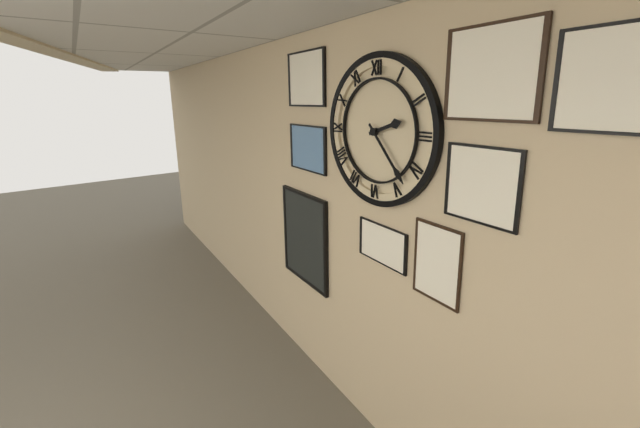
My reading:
2h23
